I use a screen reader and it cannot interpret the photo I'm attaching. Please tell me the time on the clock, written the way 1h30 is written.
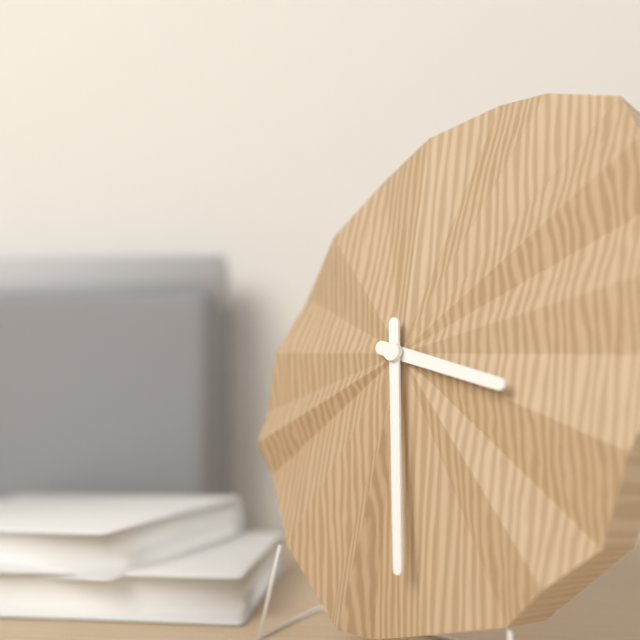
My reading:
3h29
